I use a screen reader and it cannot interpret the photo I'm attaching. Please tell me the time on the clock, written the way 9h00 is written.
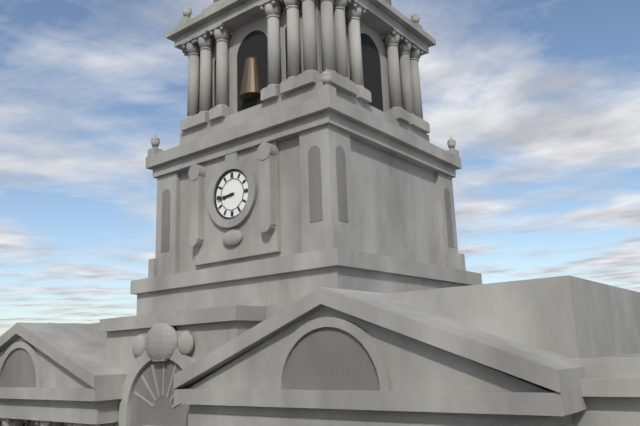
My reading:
8h44
